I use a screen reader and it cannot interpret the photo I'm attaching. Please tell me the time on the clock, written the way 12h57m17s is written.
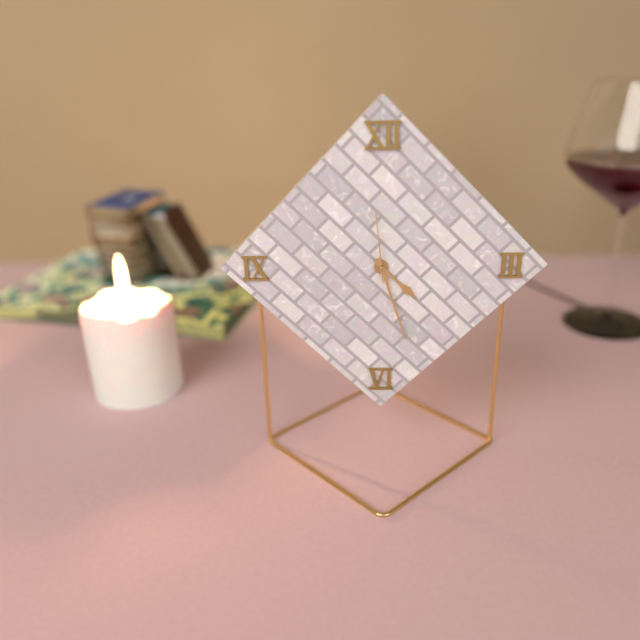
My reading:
4h27m59s
